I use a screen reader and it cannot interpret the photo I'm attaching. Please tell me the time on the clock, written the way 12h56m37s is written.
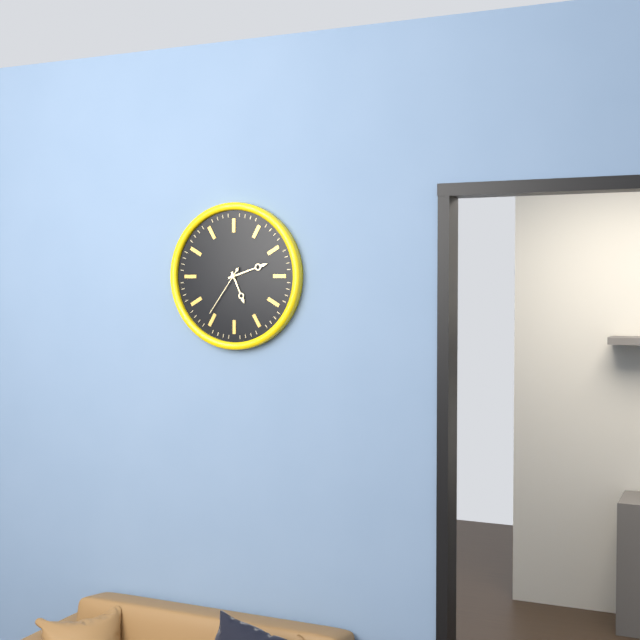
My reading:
5h12m36s
